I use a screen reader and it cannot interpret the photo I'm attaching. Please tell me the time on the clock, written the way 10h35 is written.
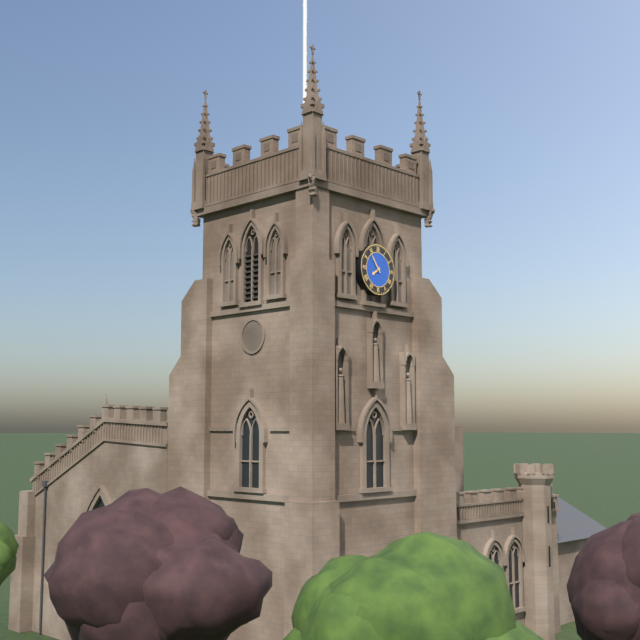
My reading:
7h54
